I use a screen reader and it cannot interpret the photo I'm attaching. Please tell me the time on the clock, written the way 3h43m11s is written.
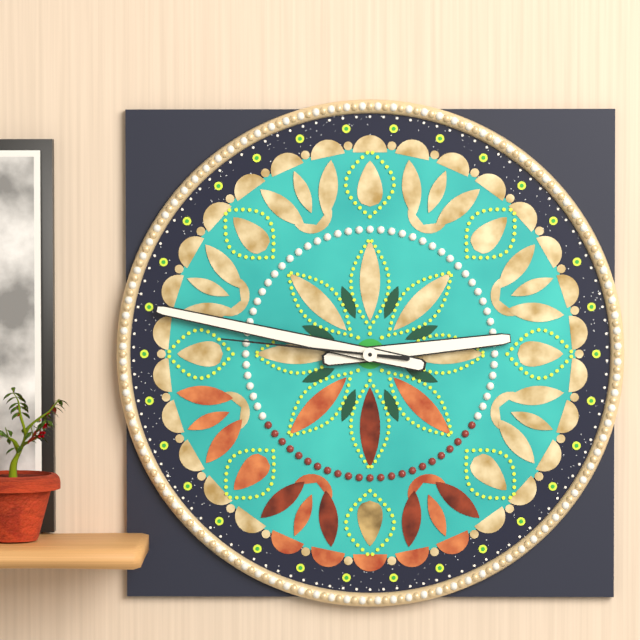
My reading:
2h47m46s
